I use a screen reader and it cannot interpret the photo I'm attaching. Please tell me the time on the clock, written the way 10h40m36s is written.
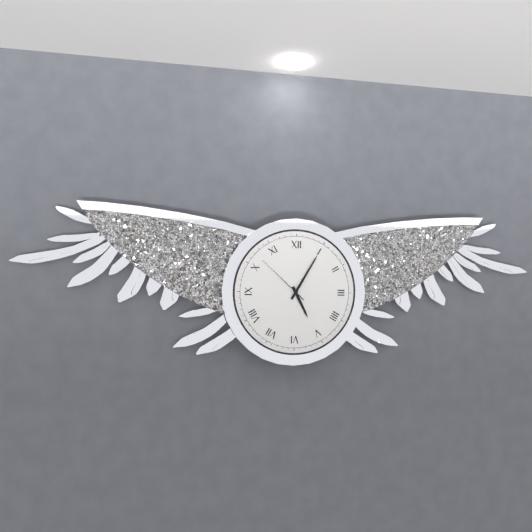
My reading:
5h05m52s
